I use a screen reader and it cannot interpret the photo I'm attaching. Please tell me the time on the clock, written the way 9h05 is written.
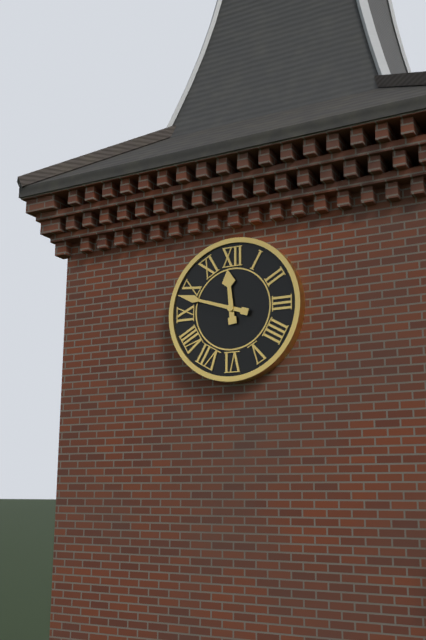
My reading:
11h48
